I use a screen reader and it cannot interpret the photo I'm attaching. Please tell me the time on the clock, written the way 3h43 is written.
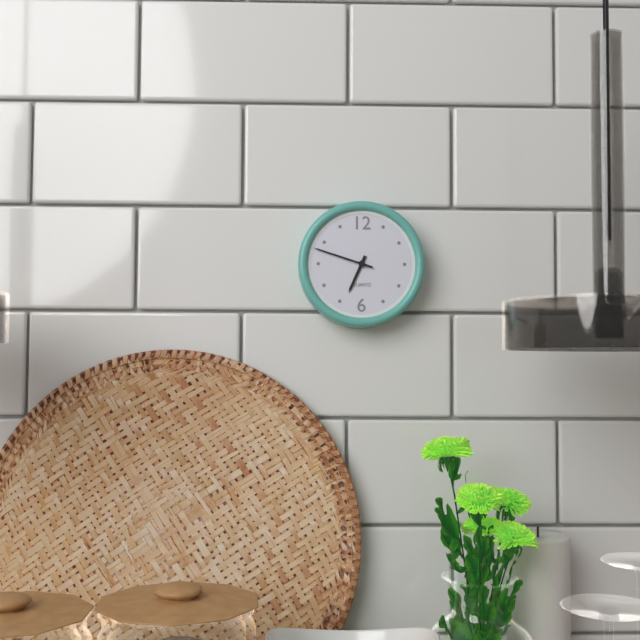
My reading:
6h48
